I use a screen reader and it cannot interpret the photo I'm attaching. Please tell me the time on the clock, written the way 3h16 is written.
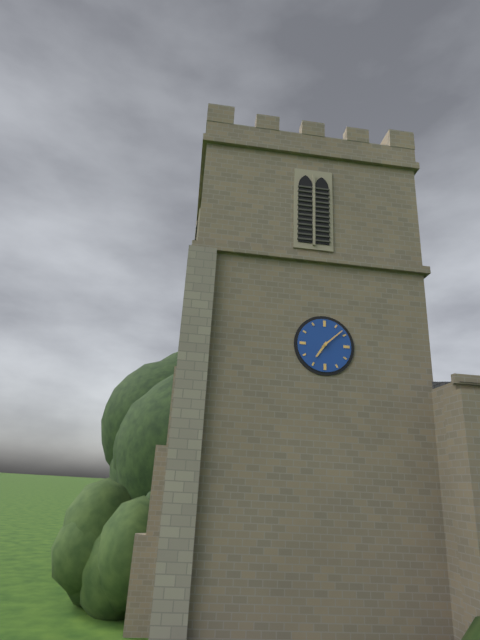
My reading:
7h08
